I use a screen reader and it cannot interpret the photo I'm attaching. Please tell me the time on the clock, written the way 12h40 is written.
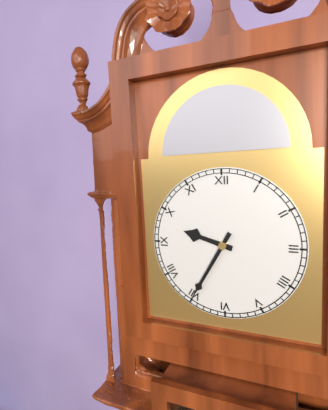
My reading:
9h35
